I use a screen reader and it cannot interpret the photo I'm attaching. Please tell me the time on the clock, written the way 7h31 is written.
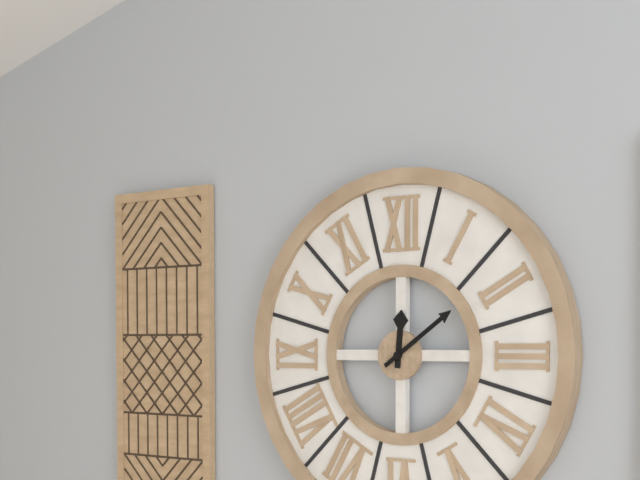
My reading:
12h09
